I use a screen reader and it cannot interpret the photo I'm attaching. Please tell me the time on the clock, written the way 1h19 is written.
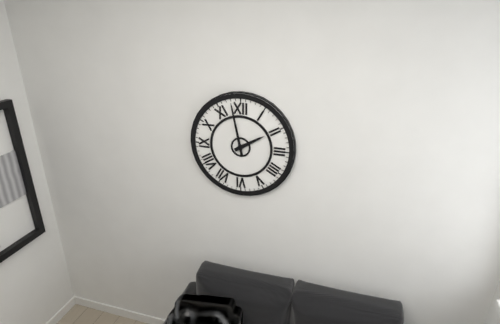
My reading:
1h58
